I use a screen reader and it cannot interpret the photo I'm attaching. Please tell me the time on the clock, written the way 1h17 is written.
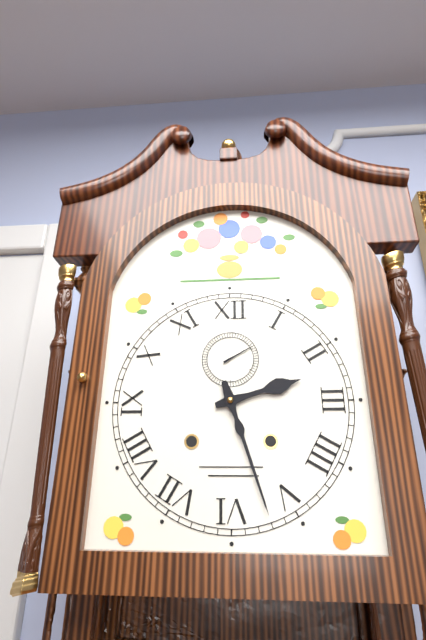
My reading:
2h27
